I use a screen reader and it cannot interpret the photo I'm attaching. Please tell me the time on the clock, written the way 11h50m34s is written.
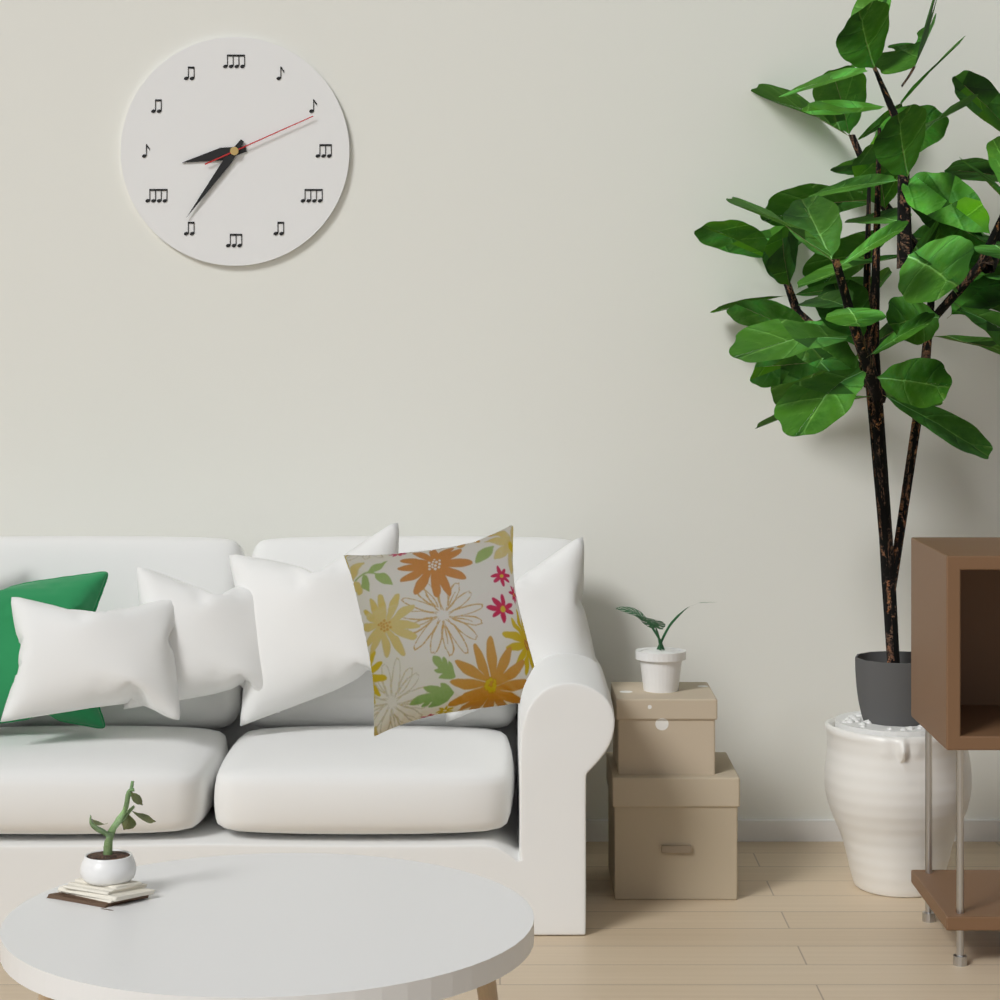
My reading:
8h36m11s
